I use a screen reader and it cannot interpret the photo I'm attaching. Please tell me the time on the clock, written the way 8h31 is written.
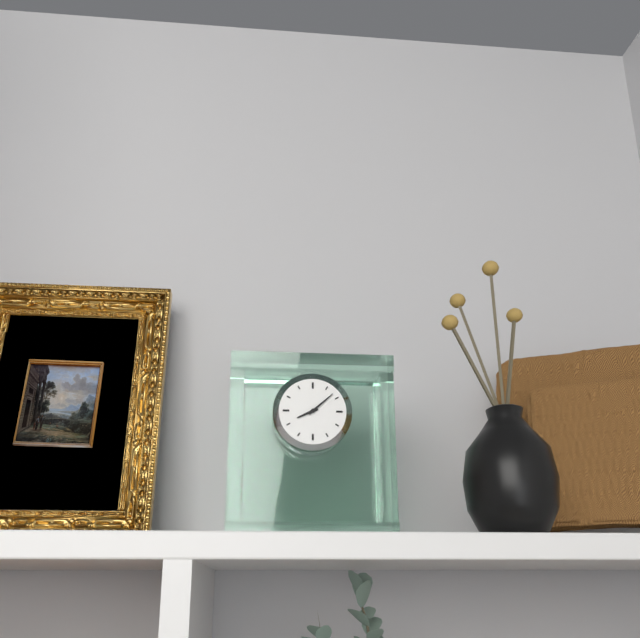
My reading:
8h08
